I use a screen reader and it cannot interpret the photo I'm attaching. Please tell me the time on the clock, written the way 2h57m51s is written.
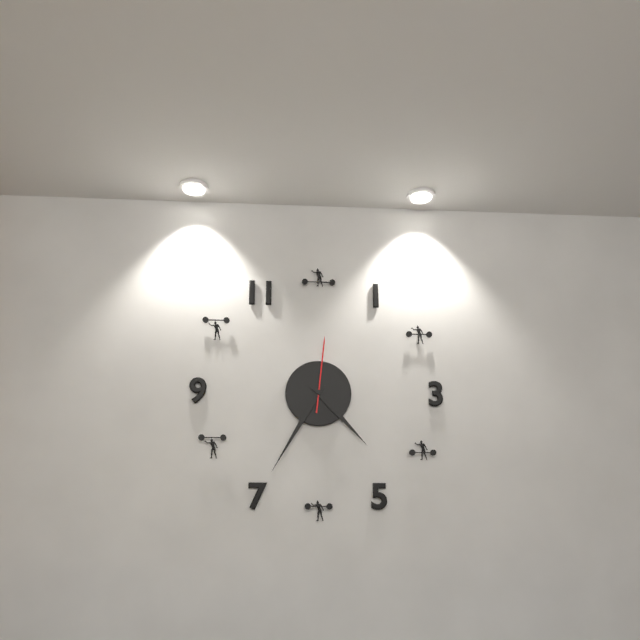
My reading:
4h35m01s
